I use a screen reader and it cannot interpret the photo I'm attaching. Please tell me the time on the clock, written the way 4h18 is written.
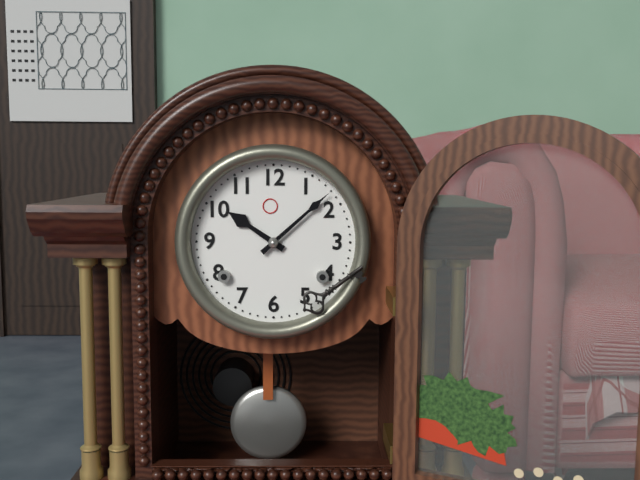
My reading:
10h08
